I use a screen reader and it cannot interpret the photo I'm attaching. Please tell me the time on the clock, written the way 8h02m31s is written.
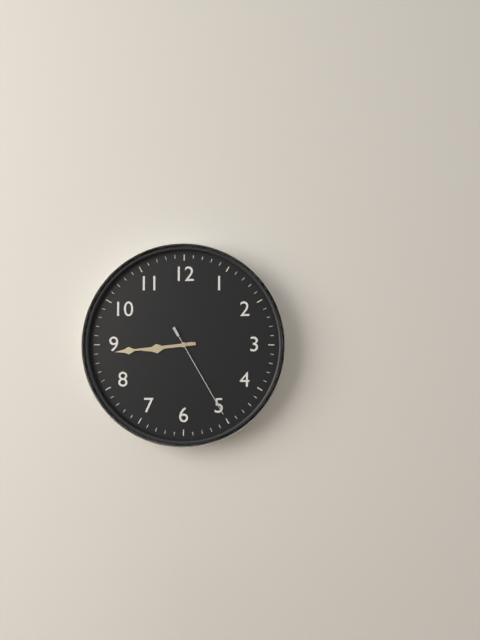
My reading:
8h44m25s
